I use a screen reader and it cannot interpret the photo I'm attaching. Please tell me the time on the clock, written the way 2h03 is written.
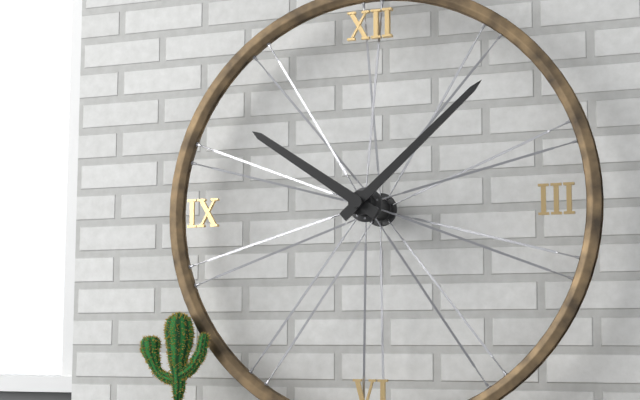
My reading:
10h08
